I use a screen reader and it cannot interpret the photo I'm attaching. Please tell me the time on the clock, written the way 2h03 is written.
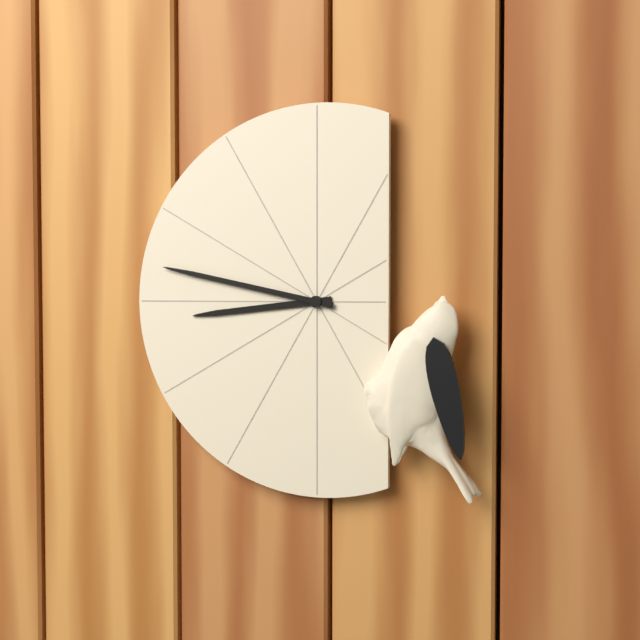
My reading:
8h47
